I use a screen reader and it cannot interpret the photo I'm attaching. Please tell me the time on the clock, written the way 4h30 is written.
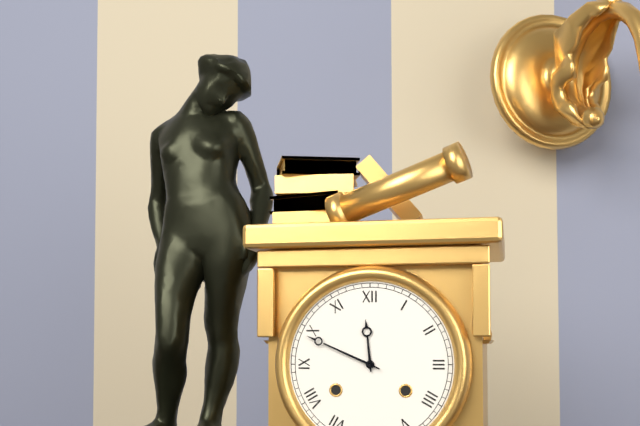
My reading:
11h49
